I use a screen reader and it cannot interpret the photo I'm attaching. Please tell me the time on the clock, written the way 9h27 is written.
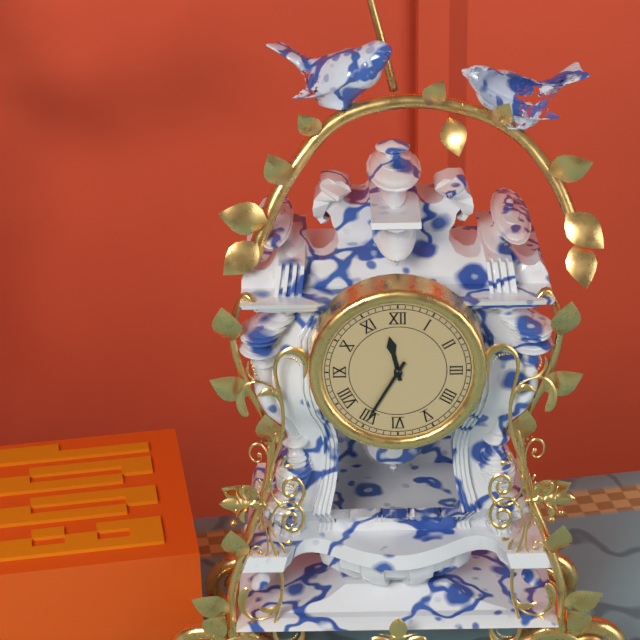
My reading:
11h35
